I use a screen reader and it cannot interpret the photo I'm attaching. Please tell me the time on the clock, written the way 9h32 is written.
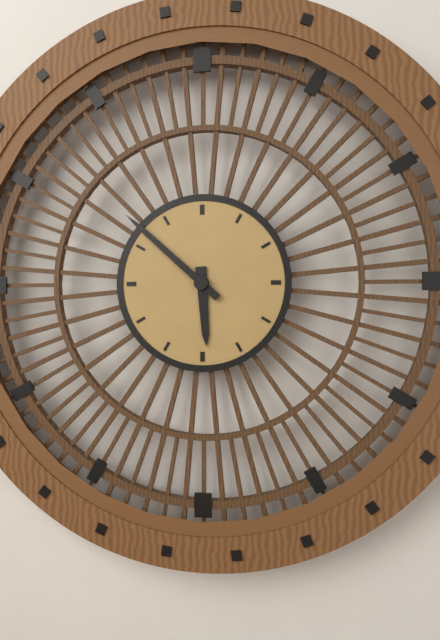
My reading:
5h52
